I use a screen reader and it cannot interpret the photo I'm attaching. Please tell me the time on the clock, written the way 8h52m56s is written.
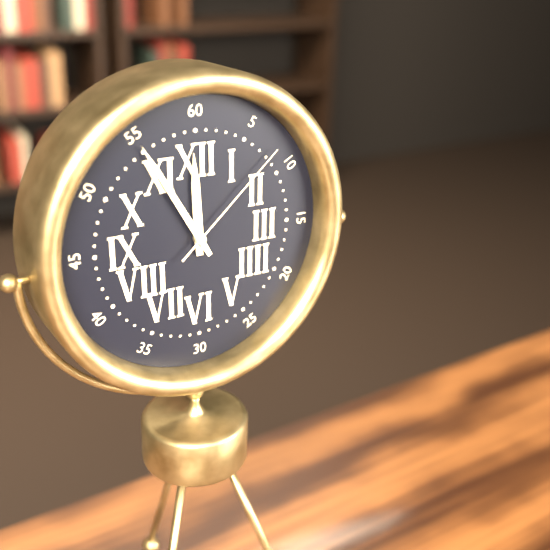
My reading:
11h55m08s
